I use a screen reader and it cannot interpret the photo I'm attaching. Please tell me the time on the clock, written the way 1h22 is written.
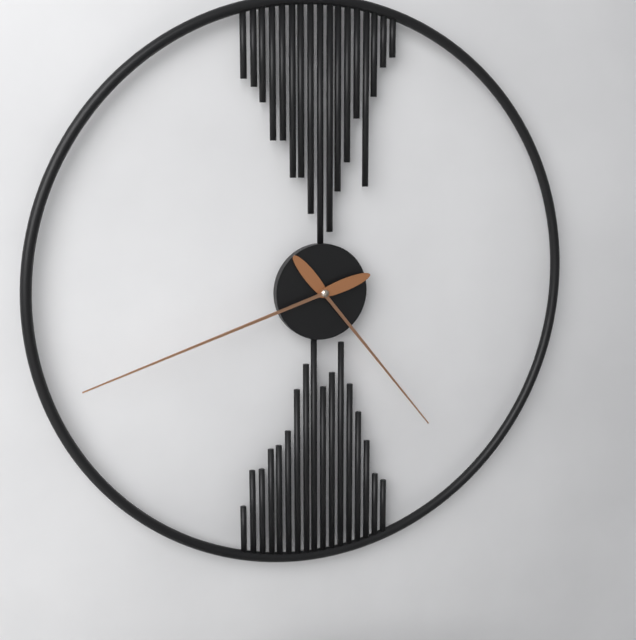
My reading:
4h42
